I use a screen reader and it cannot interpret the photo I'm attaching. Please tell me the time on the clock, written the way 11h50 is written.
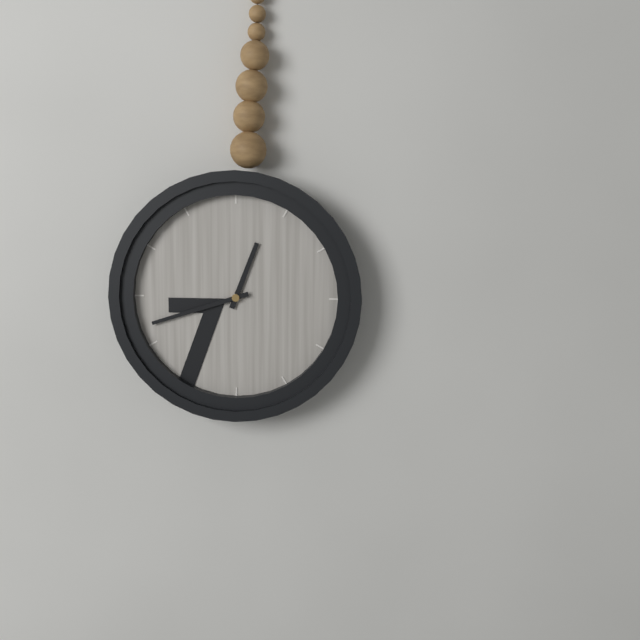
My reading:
12h42
